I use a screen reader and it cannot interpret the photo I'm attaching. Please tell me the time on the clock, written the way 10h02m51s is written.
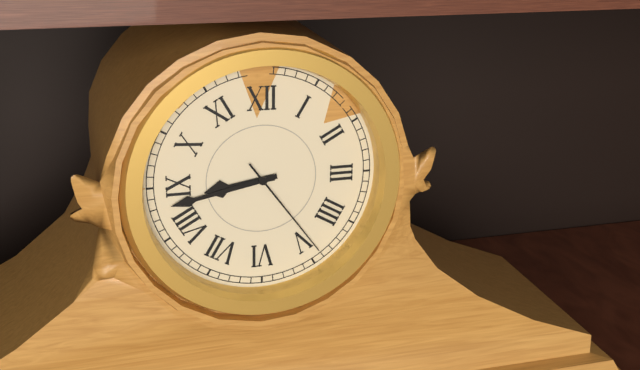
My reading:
8h43m24s
